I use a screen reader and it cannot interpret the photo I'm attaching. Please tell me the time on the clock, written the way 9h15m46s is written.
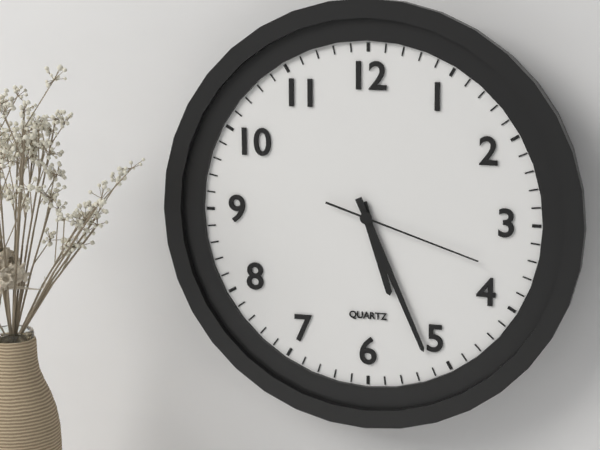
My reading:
5h26m18s
